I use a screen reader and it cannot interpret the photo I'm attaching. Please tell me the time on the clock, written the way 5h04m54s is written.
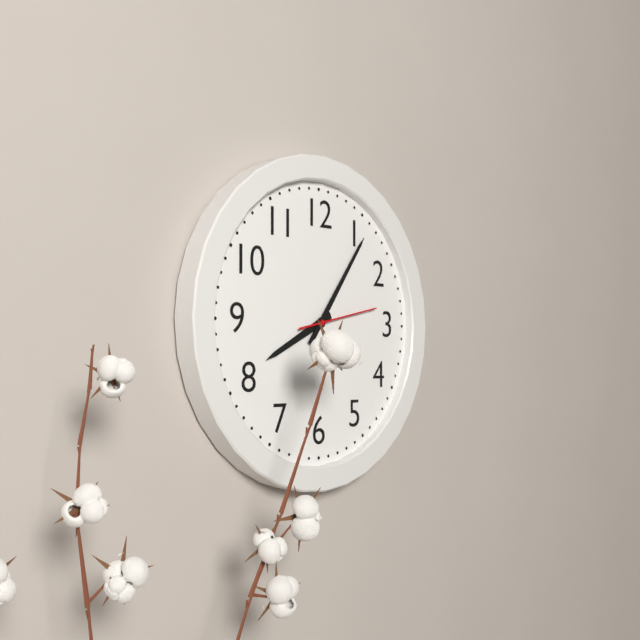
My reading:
8h06m13s
